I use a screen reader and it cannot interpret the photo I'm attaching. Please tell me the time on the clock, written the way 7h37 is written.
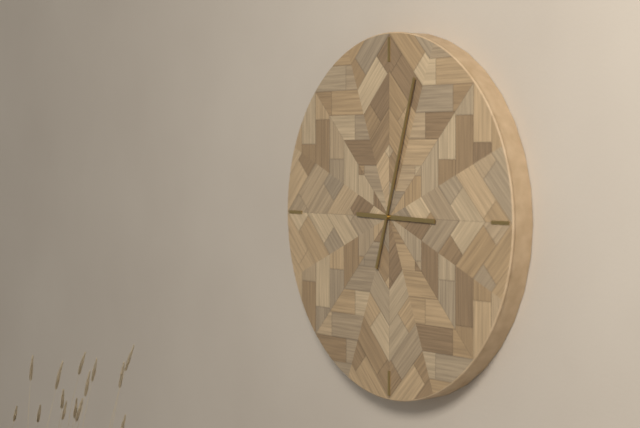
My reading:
3h03
